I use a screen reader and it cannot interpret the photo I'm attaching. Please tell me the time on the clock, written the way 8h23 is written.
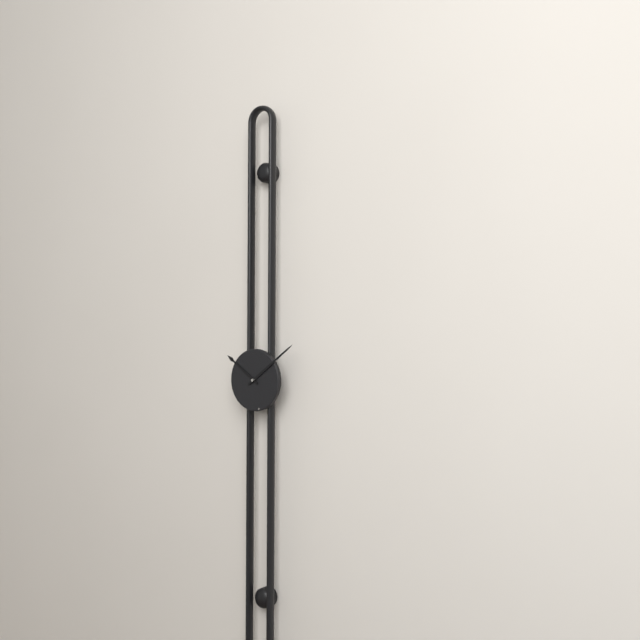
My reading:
10h09
